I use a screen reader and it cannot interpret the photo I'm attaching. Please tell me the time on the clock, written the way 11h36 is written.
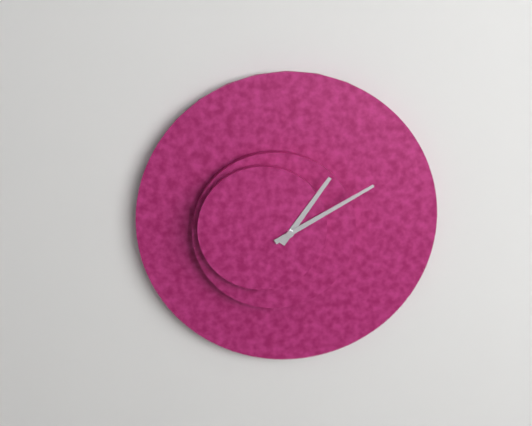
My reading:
1h10
